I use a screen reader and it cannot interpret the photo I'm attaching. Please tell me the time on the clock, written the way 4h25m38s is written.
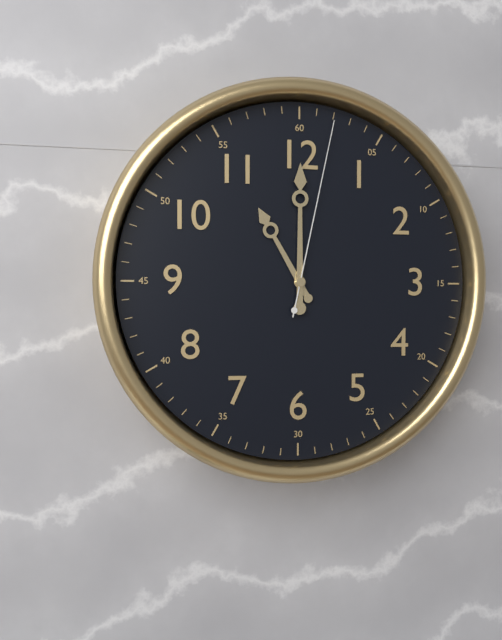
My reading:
11h00m02s
